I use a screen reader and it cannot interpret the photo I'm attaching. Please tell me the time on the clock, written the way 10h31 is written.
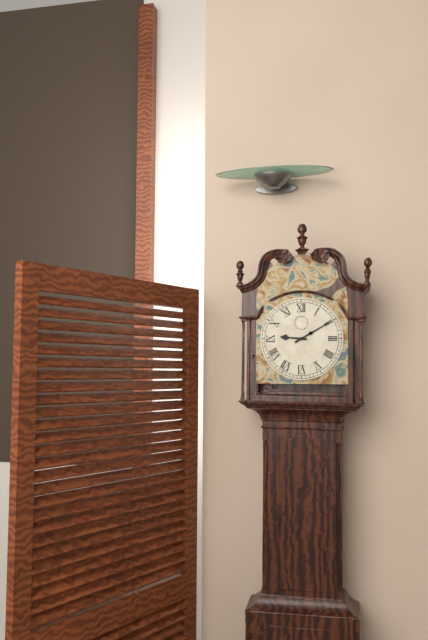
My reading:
9h10
